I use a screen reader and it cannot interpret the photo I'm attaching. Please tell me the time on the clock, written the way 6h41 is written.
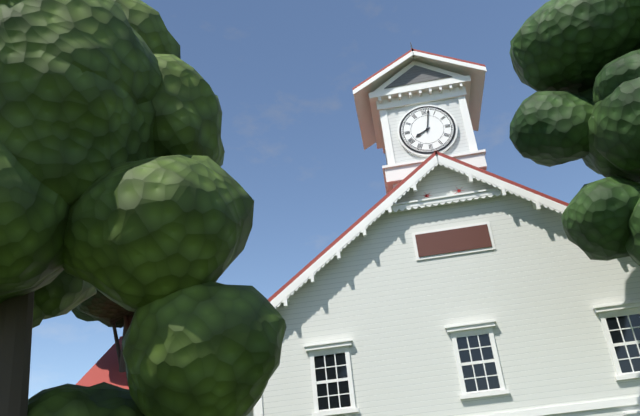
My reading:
8h02
